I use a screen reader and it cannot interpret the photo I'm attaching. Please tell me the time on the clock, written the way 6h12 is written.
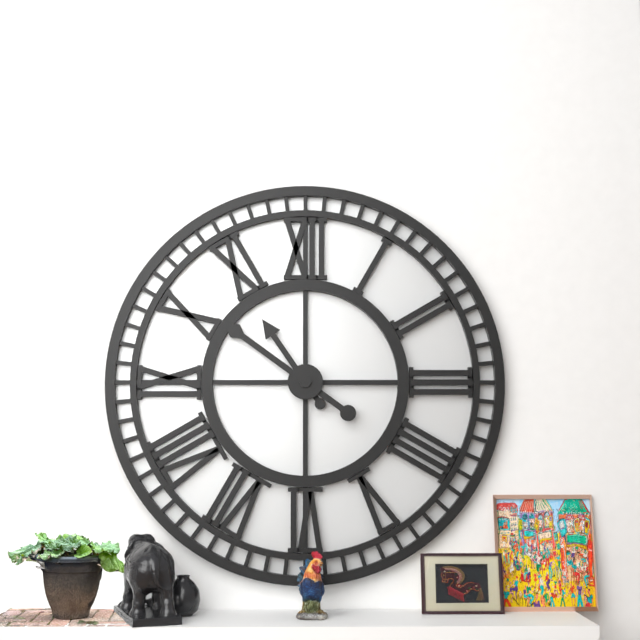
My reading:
10h51
